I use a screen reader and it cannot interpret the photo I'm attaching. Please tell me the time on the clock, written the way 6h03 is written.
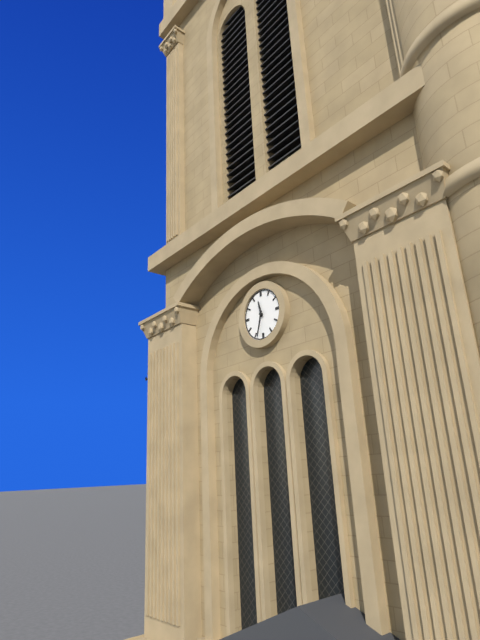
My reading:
11h33
